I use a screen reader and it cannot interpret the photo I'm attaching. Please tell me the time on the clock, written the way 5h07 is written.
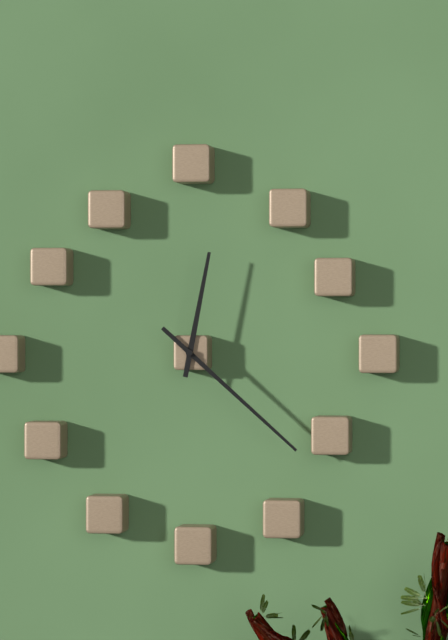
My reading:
12h22
